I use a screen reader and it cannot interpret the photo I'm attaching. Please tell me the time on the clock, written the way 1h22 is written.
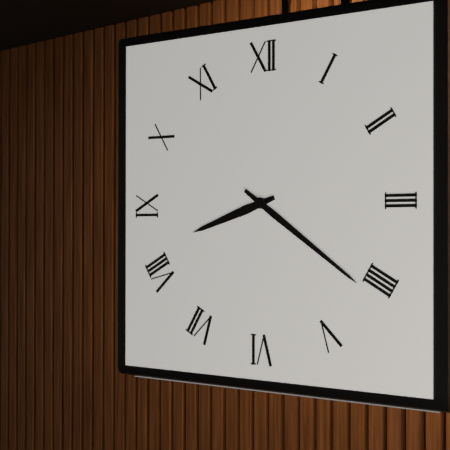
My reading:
8h21
